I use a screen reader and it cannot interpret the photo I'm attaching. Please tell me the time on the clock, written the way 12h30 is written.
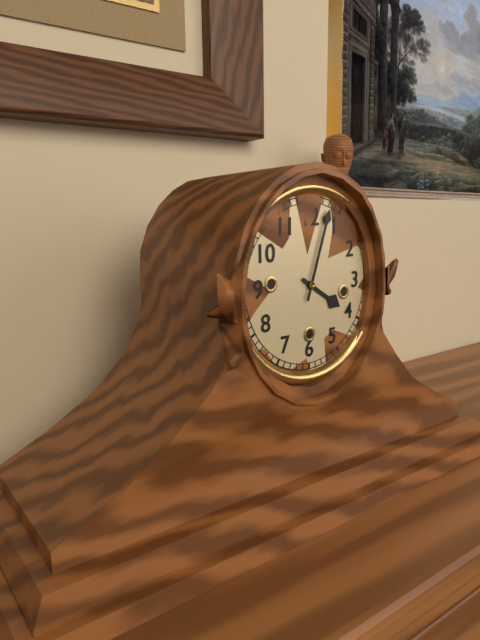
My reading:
4h03
